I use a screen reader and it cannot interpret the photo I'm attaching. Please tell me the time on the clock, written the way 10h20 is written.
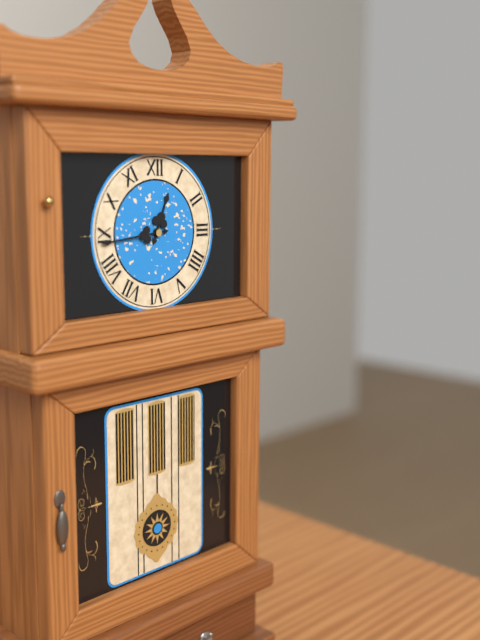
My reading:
12h44
